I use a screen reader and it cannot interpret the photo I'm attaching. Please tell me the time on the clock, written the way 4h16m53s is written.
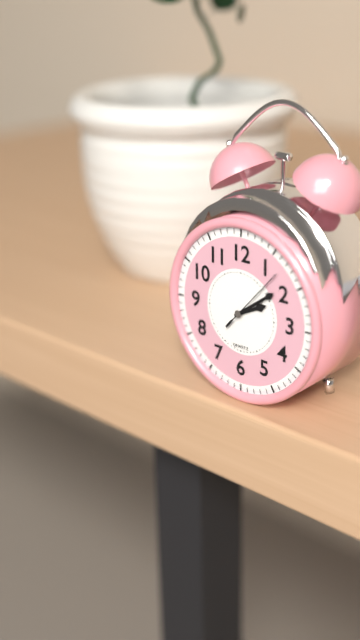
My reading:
2h09m07s
